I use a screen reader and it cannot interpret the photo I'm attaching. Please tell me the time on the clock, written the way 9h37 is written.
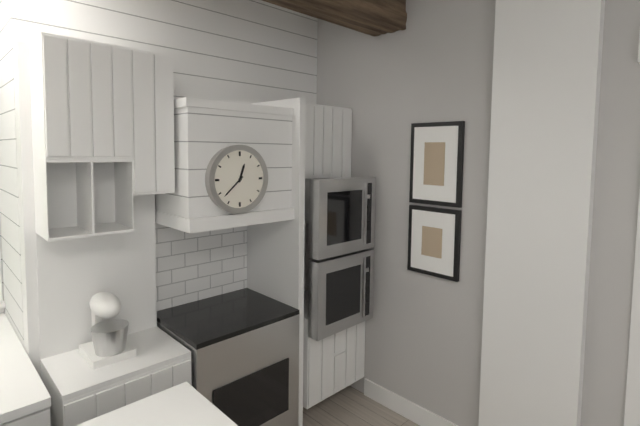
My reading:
12h38
